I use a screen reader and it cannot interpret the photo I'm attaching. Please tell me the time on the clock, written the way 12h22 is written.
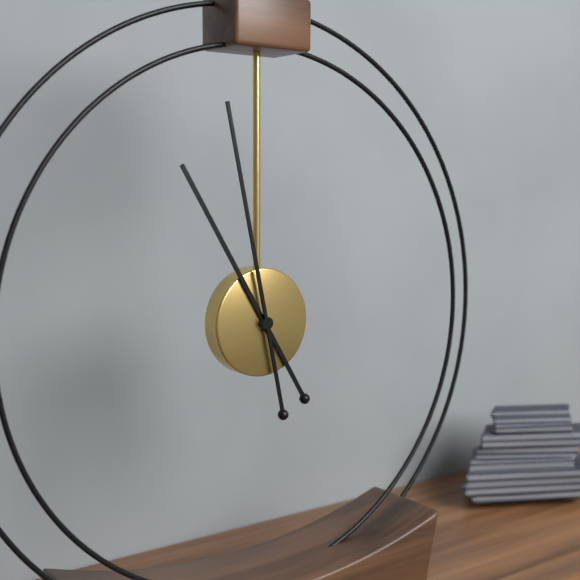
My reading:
10h58
